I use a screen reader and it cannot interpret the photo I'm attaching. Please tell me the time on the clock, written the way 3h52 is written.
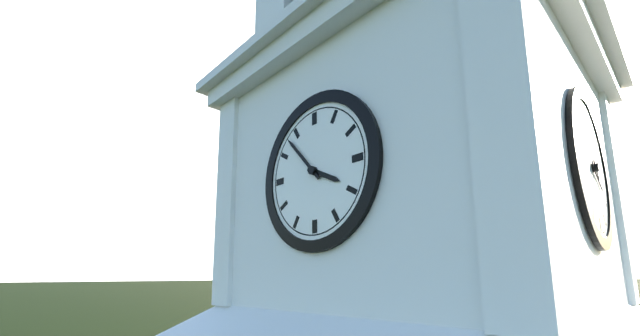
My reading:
3h53
